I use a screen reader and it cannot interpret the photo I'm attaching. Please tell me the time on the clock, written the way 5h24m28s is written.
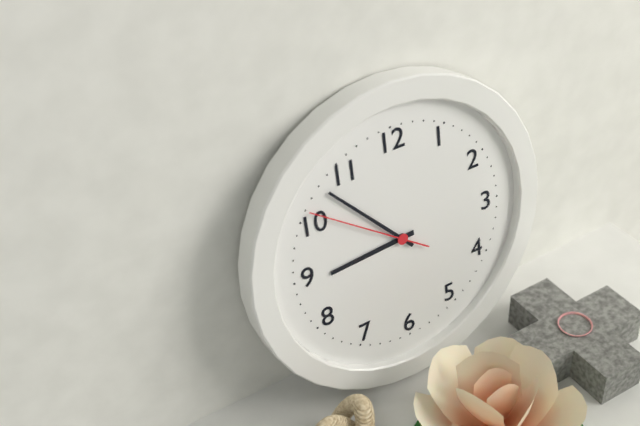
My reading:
8h53m51s
